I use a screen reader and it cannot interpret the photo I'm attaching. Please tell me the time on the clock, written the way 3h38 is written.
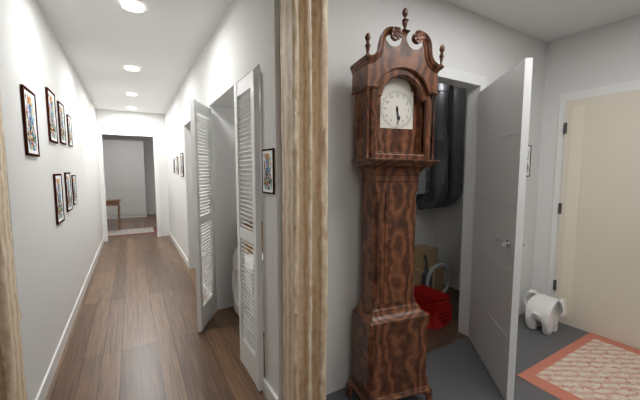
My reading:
5h29
